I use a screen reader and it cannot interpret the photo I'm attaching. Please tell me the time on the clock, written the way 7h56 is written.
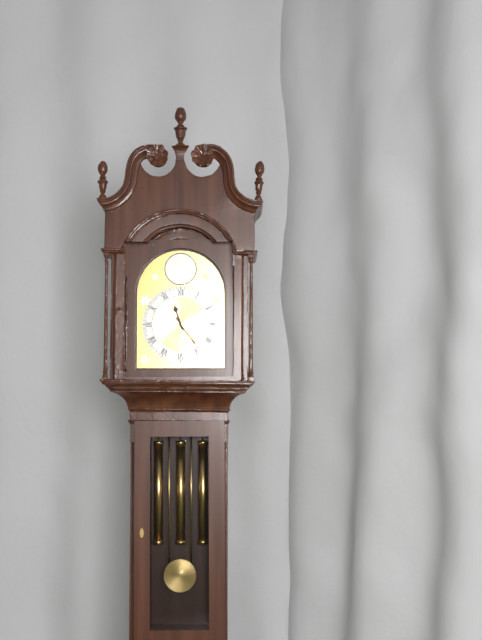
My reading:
11h24
